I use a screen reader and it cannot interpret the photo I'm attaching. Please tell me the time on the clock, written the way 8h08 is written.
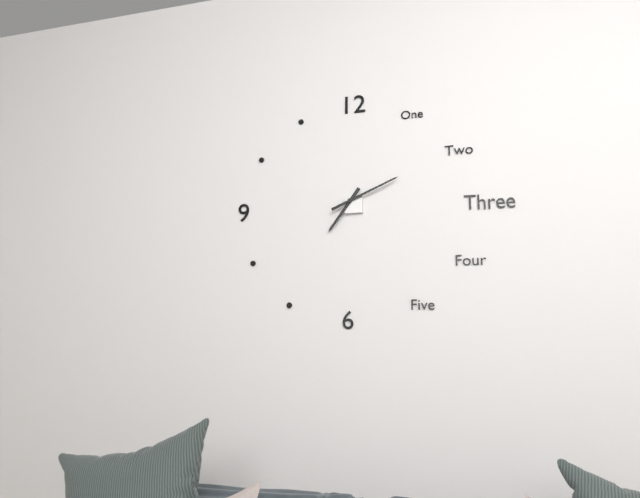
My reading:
7h11
